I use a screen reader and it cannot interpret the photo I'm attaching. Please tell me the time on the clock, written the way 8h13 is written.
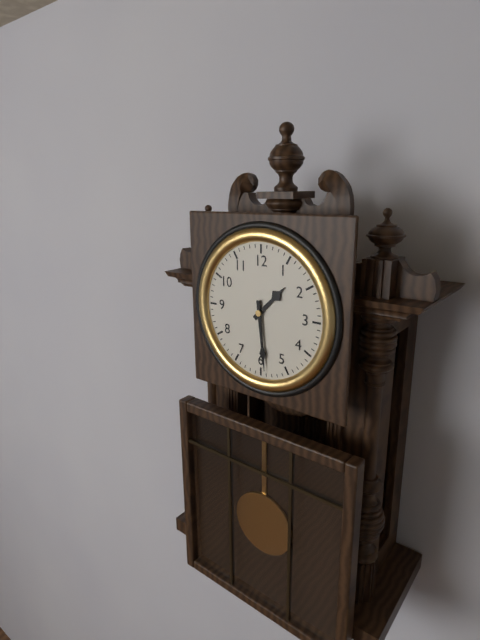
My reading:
1h29
